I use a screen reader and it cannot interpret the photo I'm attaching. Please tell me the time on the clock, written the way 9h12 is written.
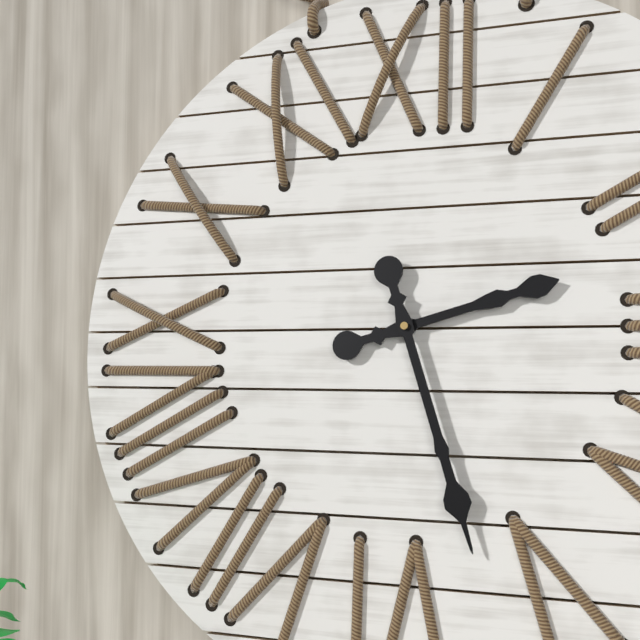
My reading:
2h27
